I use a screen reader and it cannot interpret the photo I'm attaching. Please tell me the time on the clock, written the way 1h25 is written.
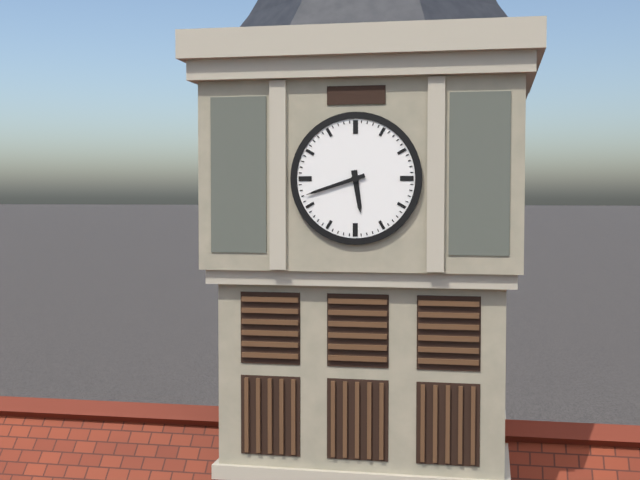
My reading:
5h42
